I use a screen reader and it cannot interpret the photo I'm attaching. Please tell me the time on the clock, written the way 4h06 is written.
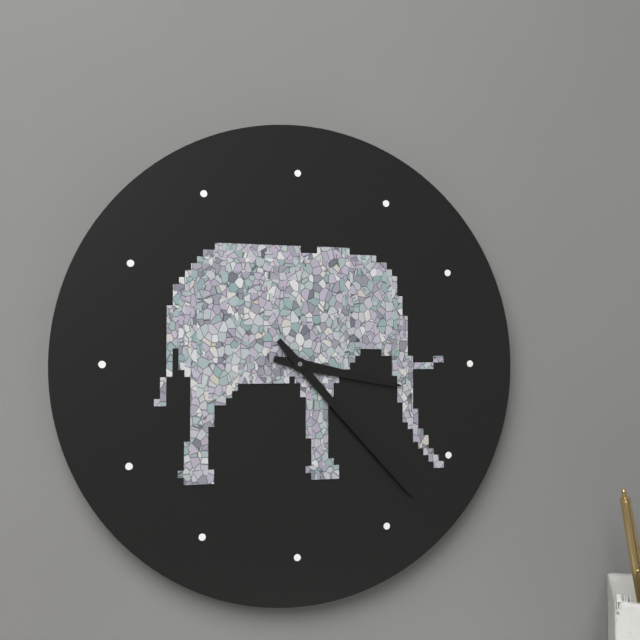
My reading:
3h23
